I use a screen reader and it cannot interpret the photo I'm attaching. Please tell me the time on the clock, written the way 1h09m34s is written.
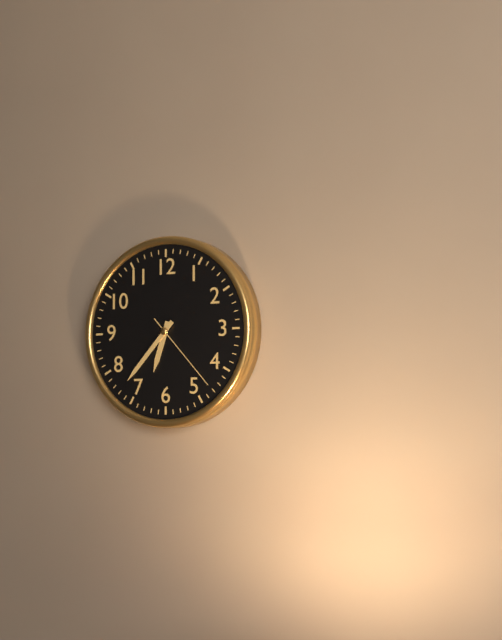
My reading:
6h37m23s
